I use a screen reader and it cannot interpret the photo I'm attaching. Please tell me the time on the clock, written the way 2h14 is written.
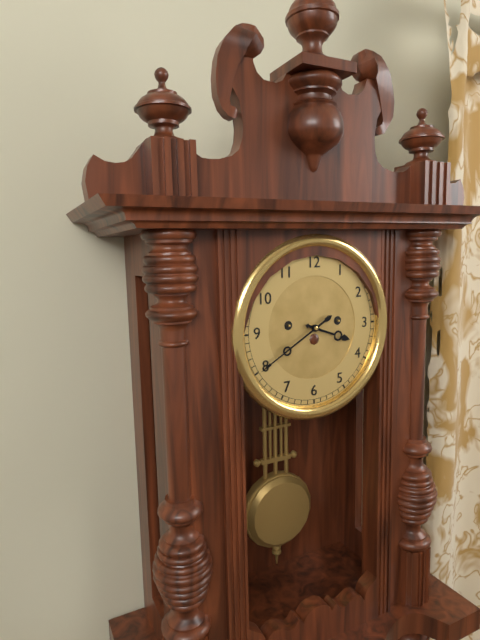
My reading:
3h40
